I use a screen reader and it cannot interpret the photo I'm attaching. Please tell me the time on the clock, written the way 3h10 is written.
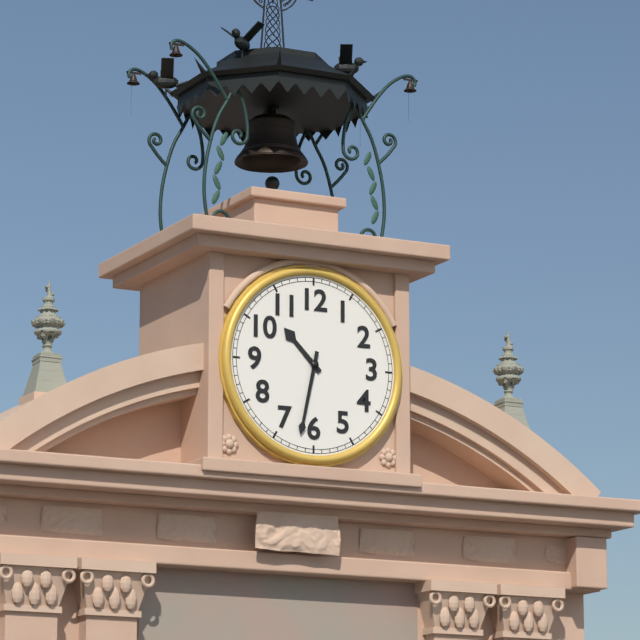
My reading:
10h32
